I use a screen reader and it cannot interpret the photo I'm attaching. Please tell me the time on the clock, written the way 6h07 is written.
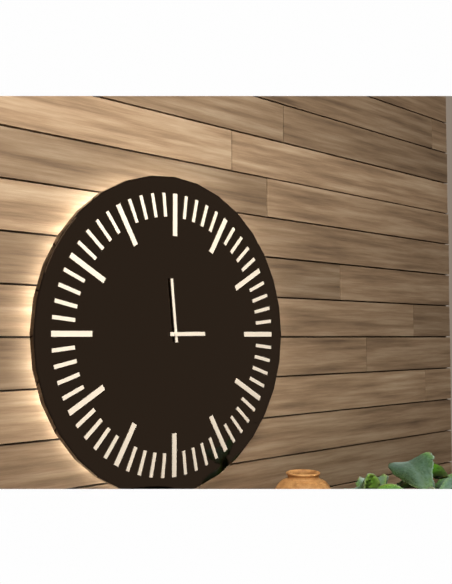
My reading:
2h59
